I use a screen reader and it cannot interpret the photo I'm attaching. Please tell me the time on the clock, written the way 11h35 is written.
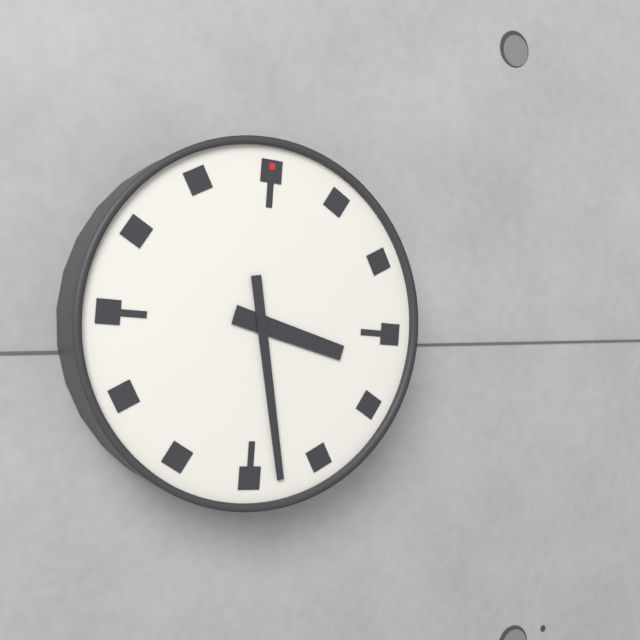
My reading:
3h28
